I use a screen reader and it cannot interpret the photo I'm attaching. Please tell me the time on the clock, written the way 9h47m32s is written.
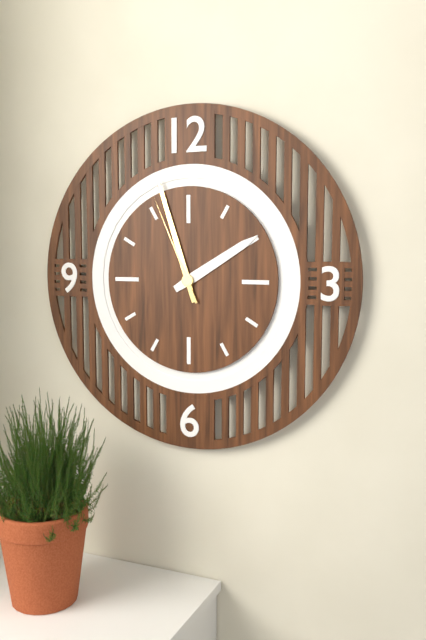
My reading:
1h57m56s
